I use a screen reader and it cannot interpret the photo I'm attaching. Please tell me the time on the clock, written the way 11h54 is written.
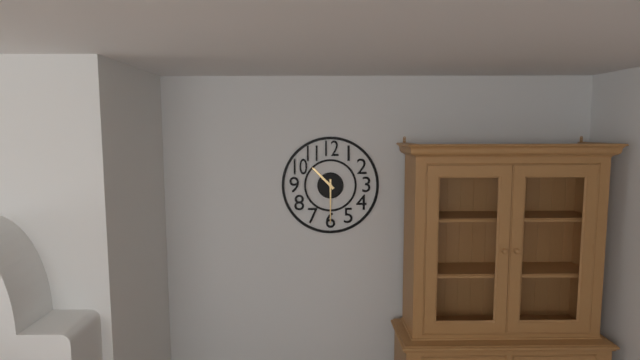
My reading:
10h30
